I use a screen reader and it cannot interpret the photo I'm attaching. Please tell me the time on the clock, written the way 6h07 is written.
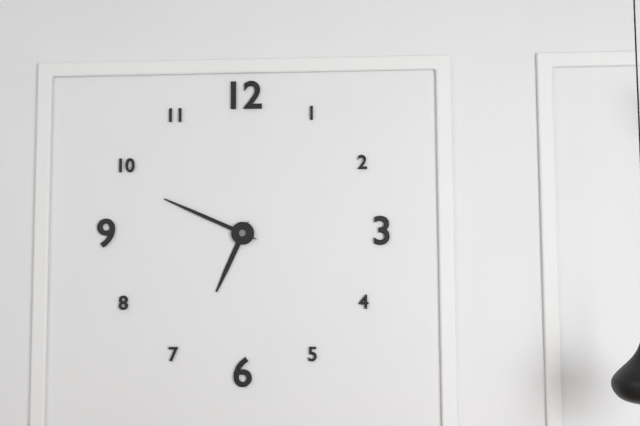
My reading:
6h49
